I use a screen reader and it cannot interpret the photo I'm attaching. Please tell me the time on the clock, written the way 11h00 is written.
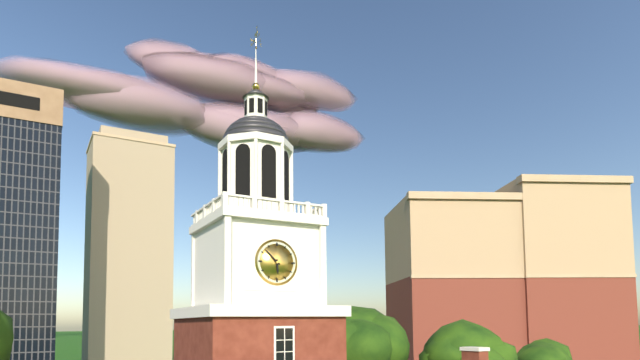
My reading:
5h52
